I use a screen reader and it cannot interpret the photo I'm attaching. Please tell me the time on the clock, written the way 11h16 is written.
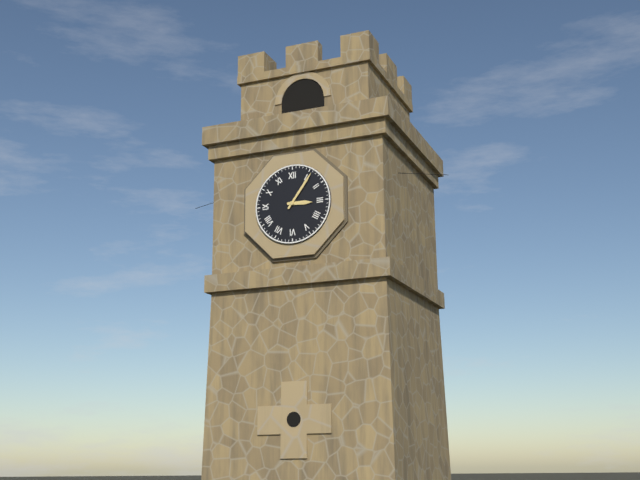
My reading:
3h06
